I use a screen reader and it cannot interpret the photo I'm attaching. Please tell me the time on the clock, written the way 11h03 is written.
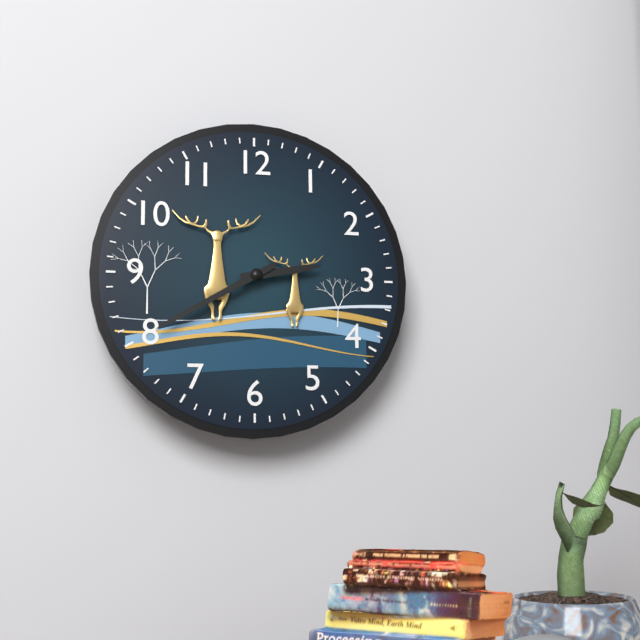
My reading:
2h40
